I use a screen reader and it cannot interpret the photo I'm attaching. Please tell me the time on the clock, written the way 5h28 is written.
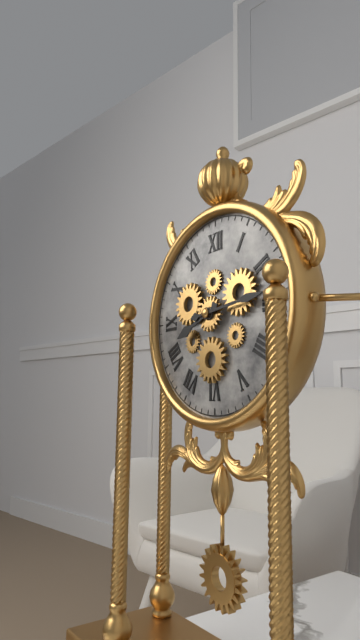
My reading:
8h14
